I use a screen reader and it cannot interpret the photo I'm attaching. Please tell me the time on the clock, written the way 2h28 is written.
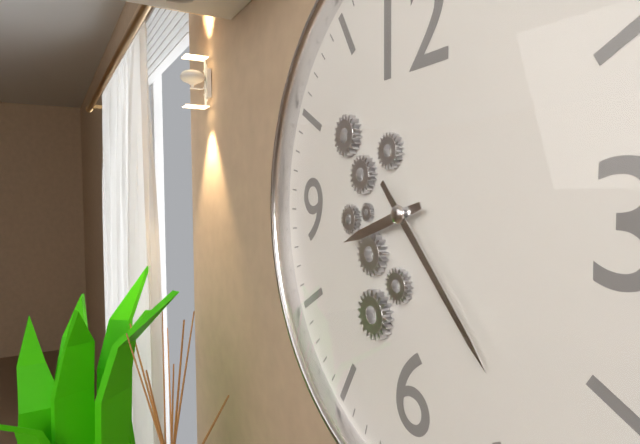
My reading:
8h23
